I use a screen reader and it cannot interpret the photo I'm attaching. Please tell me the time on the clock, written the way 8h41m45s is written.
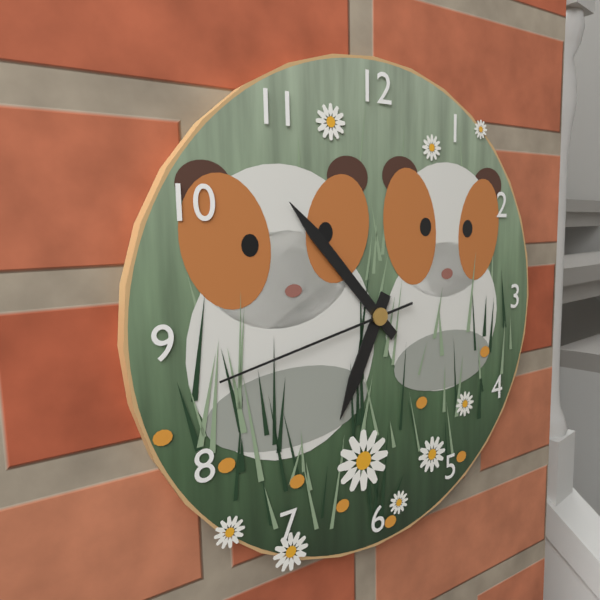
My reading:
6h53m43s
